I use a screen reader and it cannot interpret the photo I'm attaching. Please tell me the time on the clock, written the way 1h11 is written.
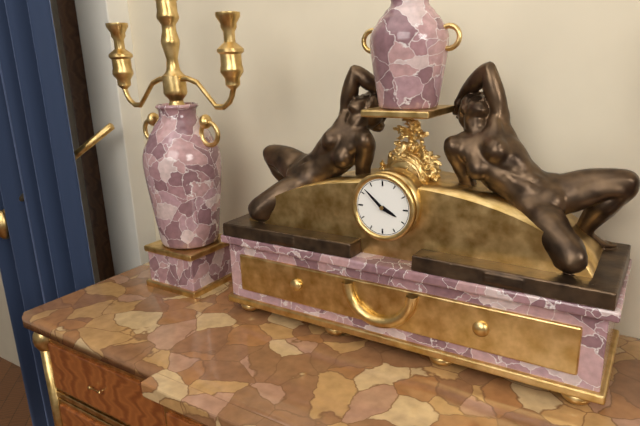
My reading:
3h52
